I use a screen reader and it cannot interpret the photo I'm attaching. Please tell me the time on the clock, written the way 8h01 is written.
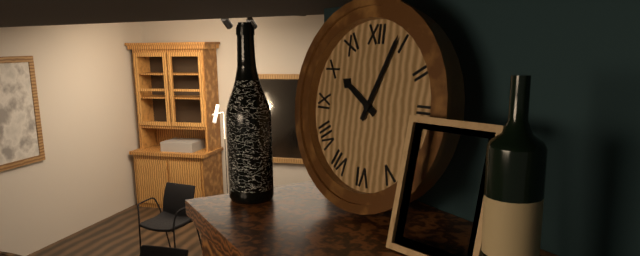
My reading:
10h04
